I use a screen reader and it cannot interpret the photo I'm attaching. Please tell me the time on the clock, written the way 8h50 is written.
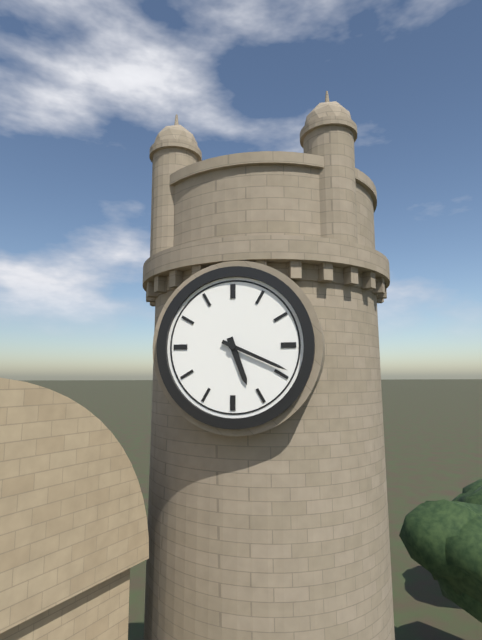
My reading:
5h19
